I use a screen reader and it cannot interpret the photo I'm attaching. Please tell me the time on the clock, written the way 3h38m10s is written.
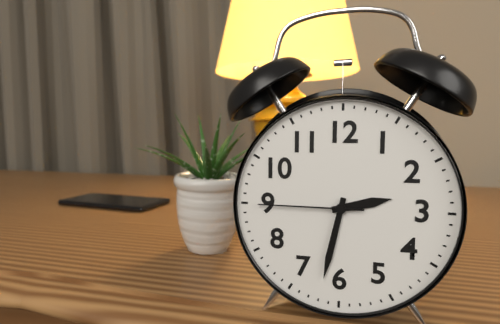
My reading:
2h32m45s
